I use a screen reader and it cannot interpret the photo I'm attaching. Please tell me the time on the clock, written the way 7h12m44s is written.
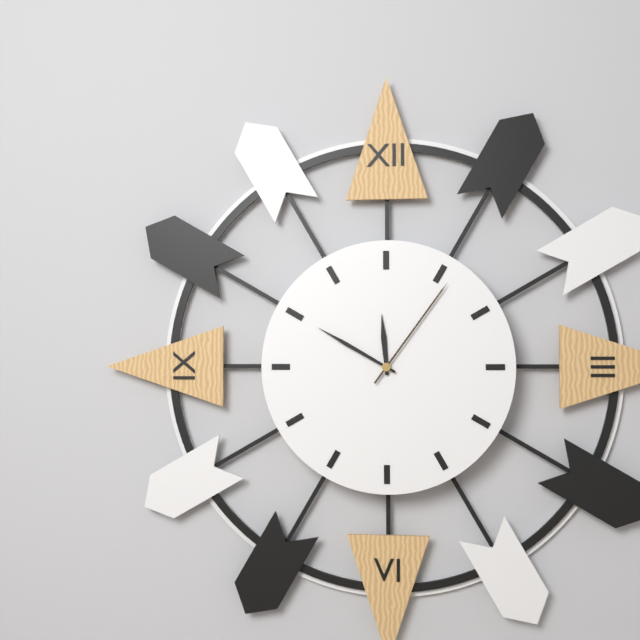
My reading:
11h50m06s
